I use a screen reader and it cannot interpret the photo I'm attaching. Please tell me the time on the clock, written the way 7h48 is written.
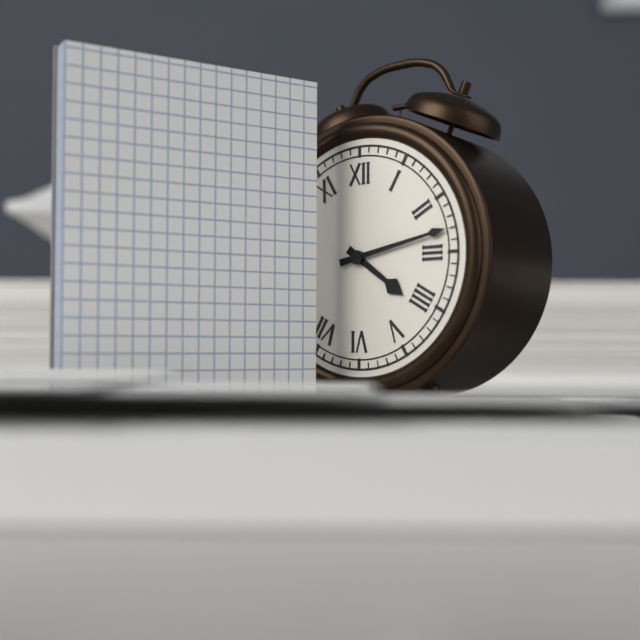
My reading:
4h13
